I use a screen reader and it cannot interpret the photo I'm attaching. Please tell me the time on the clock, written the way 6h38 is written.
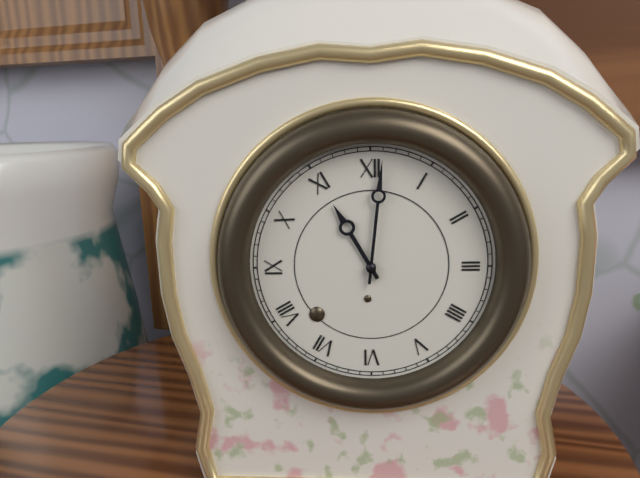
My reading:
11h01
